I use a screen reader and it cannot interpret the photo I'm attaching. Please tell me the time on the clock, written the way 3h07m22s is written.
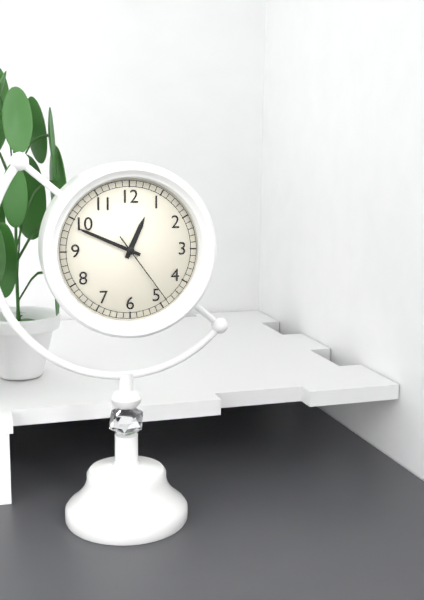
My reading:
12h49m24s
